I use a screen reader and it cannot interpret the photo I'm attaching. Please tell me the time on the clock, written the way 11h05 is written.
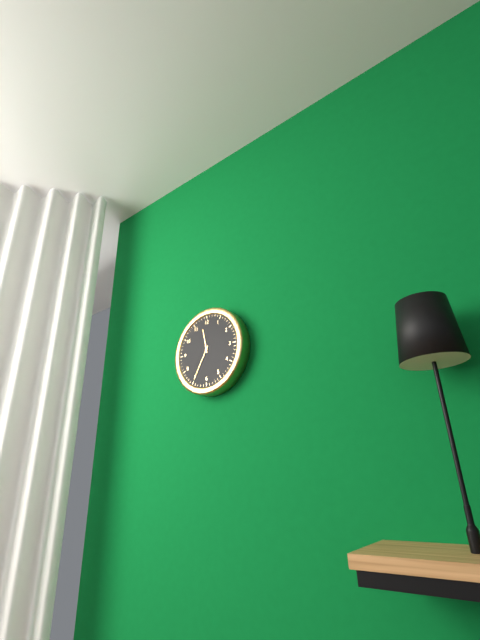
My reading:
11h35
